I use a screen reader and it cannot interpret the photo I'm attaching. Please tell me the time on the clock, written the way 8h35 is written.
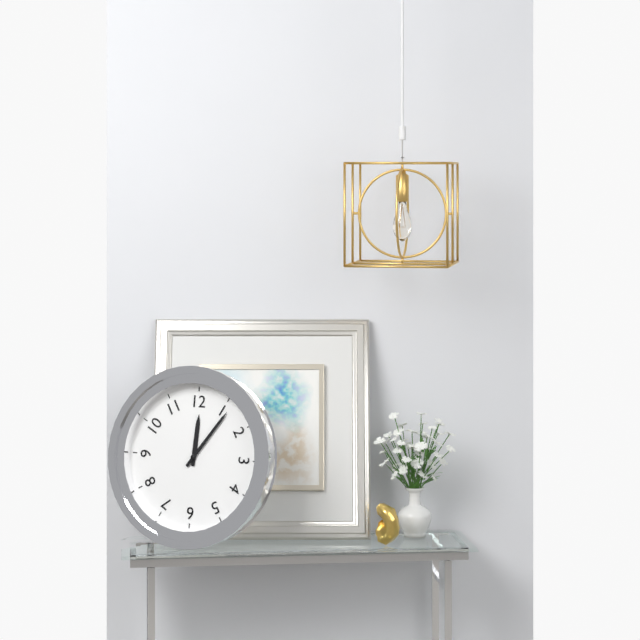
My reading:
12h06
